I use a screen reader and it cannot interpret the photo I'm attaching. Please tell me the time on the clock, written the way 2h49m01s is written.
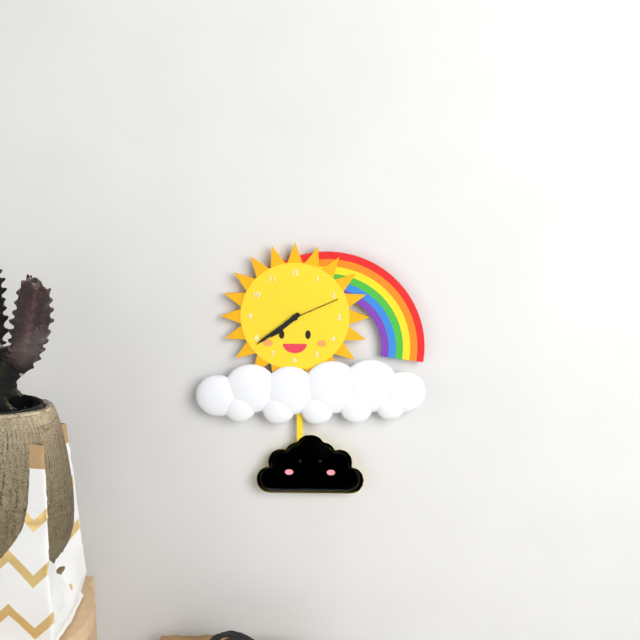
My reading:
7h39m11s
